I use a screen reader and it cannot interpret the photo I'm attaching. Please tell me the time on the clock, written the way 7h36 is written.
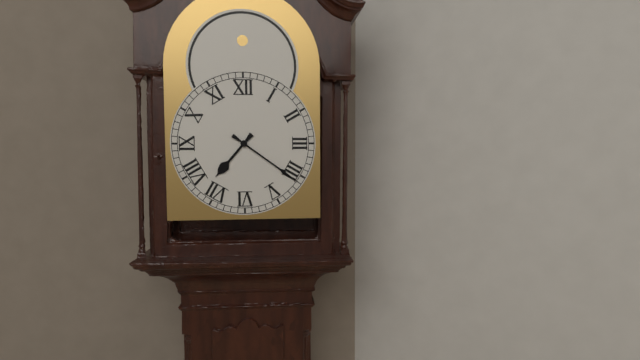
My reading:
7h21
